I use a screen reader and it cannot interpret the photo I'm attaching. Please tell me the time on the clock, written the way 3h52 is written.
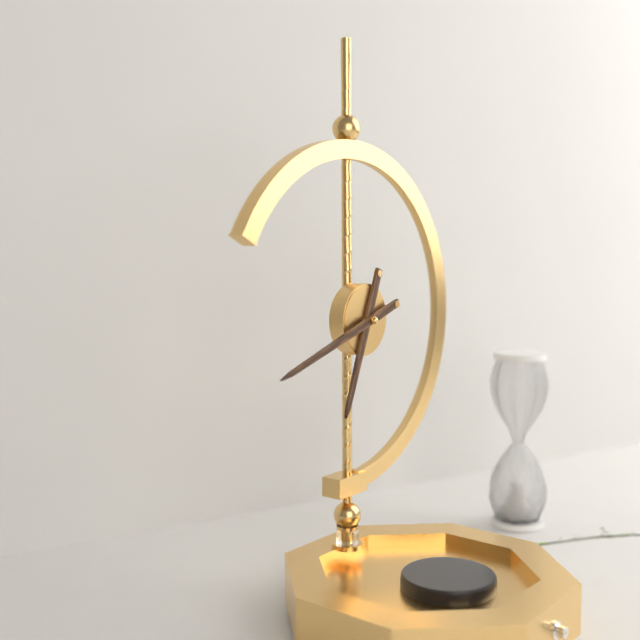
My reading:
6h42
